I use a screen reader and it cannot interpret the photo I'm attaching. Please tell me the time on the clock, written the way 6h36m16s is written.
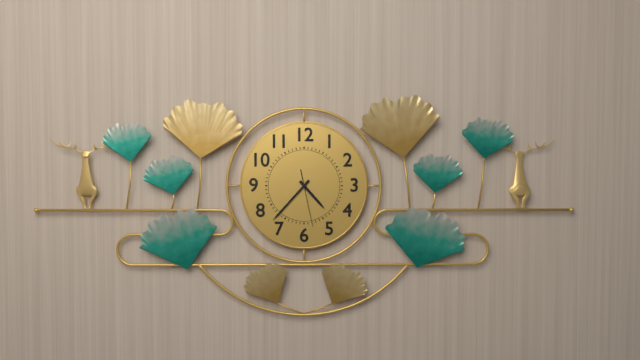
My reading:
4h37m28s
